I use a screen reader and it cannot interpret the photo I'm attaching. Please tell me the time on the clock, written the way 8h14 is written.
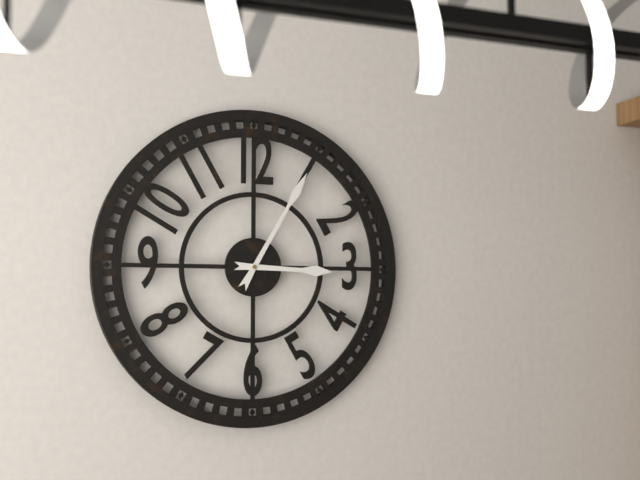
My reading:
3h05
